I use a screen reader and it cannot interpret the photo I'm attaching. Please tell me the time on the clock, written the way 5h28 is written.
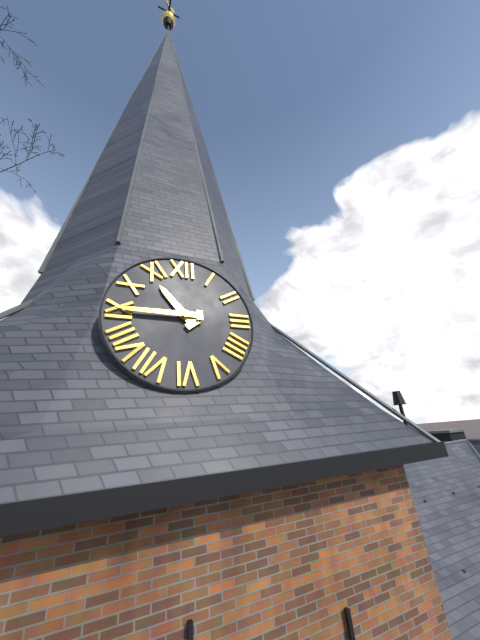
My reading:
10h45
